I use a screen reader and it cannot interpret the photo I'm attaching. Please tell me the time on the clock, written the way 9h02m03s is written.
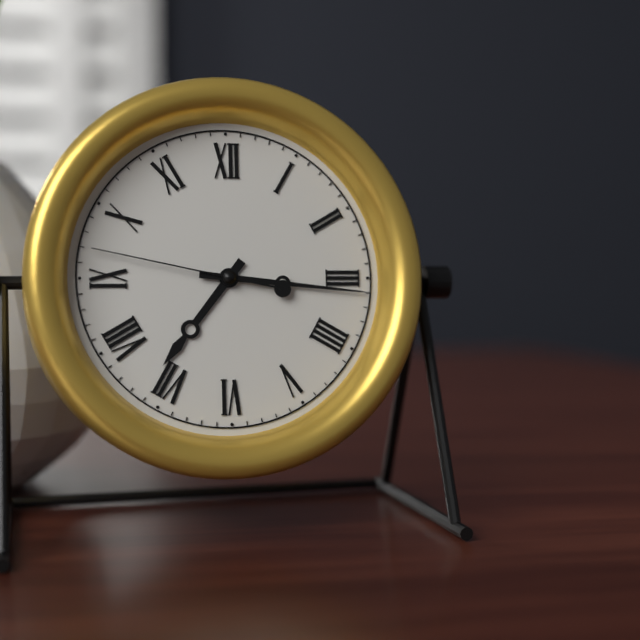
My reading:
7h16m47s
